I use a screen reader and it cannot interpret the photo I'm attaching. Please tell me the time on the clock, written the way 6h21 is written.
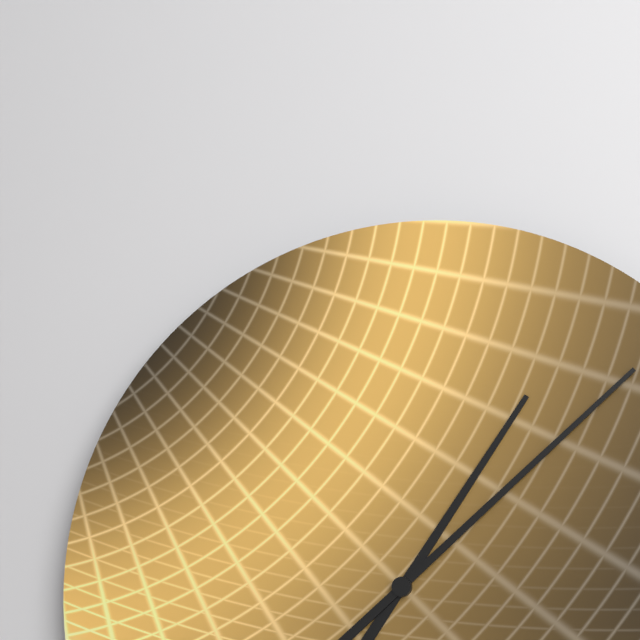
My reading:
1h08
